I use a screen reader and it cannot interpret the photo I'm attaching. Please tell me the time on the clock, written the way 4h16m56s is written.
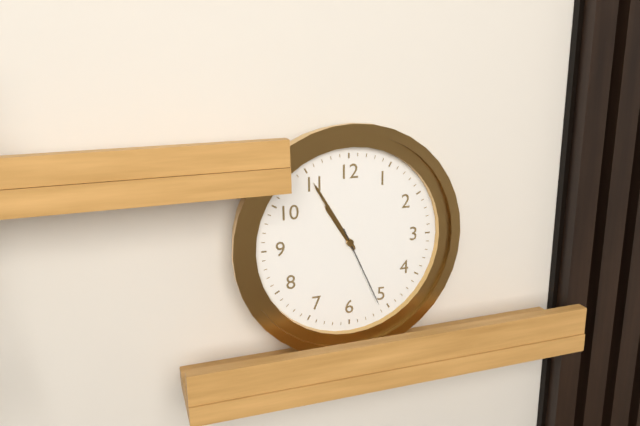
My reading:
10h55m26s
